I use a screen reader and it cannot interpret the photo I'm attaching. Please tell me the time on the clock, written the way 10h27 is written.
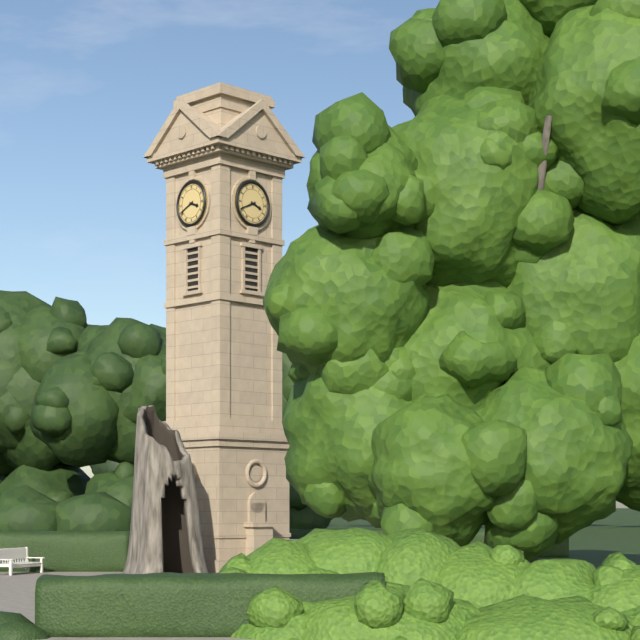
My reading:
3h41
